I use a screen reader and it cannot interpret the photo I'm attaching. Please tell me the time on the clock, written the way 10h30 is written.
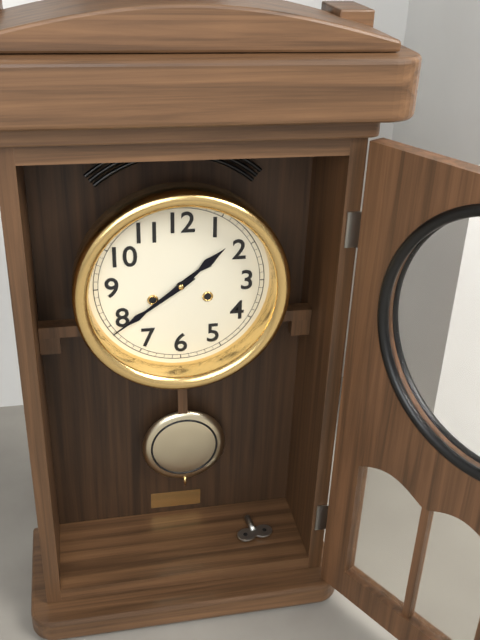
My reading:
1h39
